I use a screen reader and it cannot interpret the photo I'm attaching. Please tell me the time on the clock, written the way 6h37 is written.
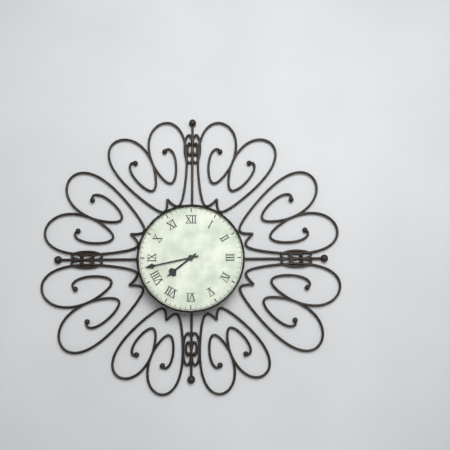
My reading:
7h43
